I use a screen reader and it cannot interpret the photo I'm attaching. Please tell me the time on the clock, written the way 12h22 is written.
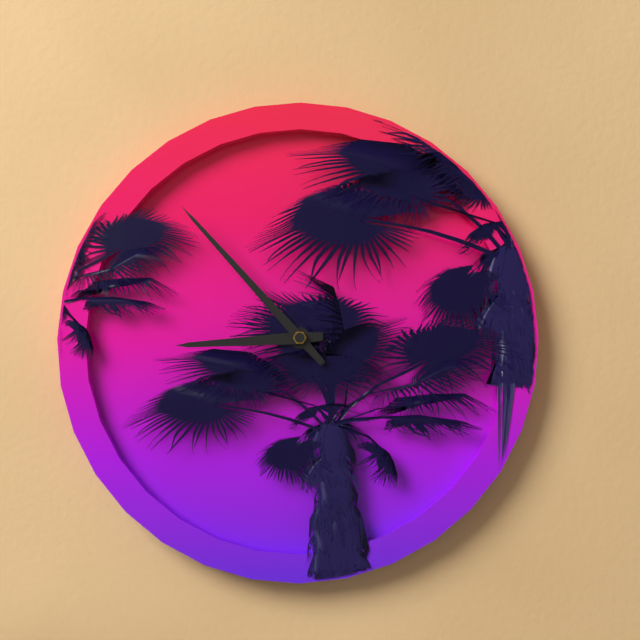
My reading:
8h53
